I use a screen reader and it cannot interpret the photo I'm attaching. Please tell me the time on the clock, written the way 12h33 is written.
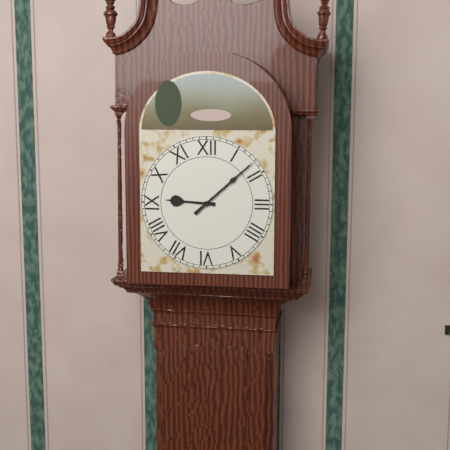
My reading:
9h08
